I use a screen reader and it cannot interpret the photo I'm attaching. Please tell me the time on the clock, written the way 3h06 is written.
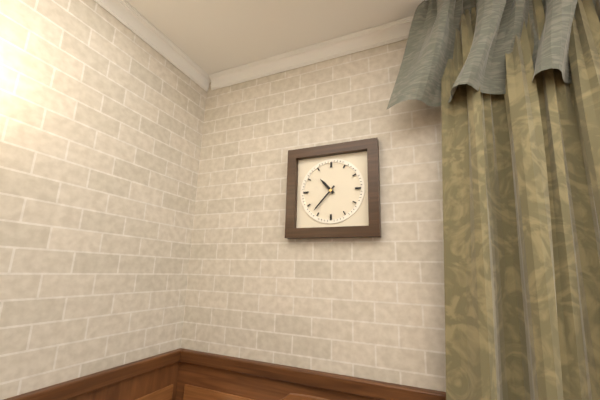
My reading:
10h37
